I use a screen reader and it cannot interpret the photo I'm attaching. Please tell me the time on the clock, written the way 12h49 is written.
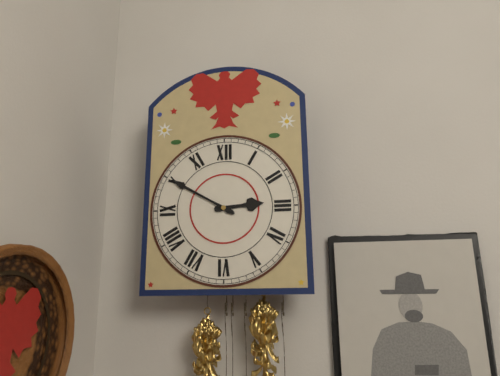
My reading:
2h50
